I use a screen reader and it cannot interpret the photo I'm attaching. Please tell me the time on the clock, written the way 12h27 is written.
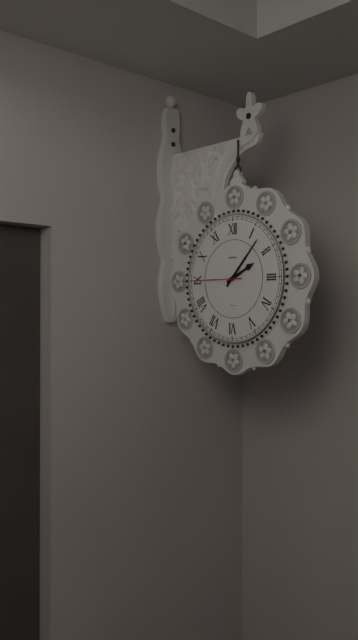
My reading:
2h07
